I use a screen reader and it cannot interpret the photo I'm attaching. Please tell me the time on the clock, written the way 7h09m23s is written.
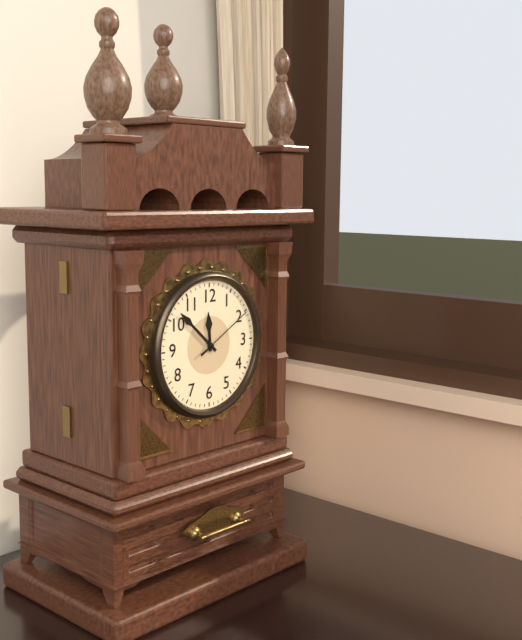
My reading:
11h52m10s
